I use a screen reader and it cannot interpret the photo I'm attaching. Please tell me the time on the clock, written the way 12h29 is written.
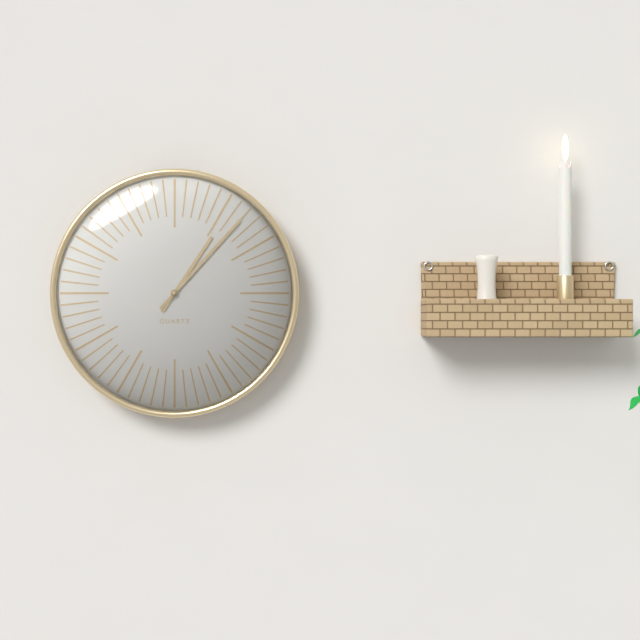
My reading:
1h07
